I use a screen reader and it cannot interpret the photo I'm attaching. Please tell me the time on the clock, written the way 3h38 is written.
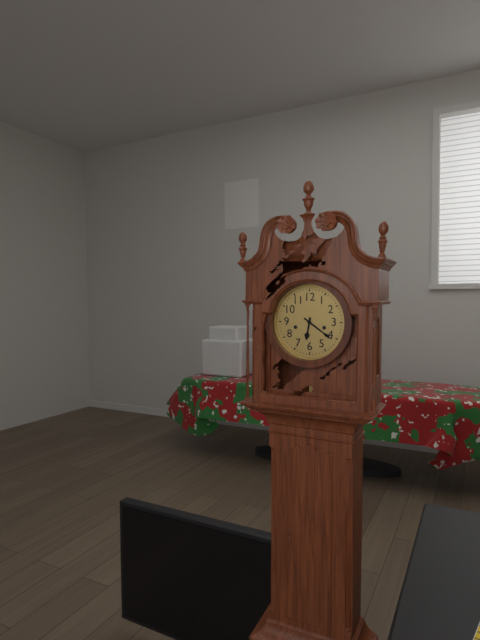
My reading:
6h21
